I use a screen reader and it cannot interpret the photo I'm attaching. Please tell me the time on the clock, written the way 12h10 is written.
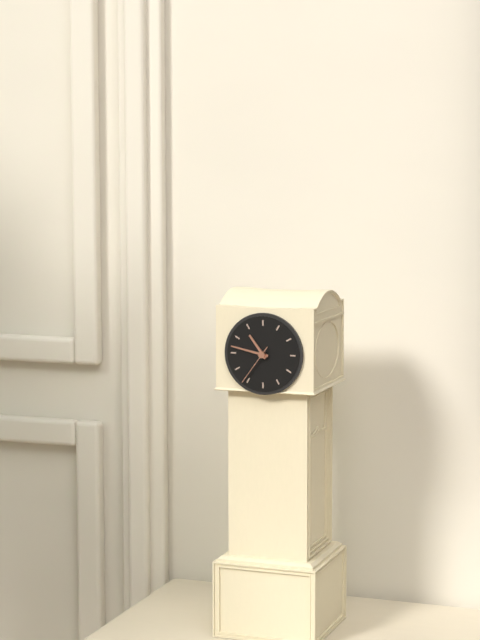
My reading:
10h47
